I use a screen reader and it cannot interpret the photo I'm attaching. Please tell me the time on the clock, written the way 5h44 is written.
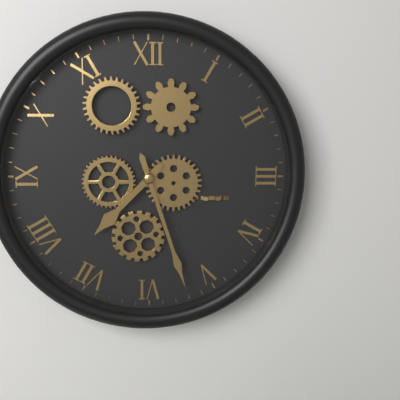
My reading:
7h27
